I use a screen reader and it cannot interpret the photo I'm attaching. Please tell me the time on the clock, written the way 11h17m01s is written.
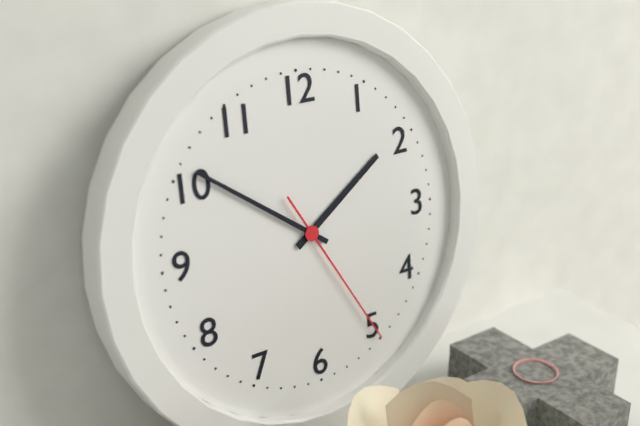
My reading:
1h51m25s
